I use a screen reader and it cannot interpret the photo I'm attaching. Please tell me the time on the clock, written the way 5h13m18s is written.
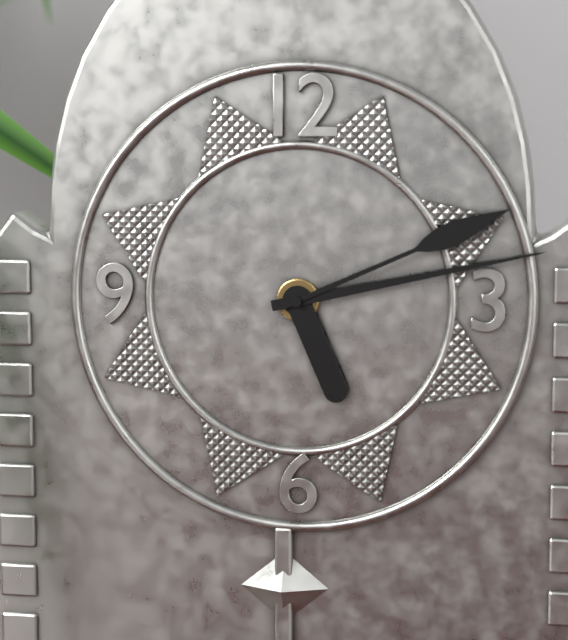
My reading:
5h13m11s
